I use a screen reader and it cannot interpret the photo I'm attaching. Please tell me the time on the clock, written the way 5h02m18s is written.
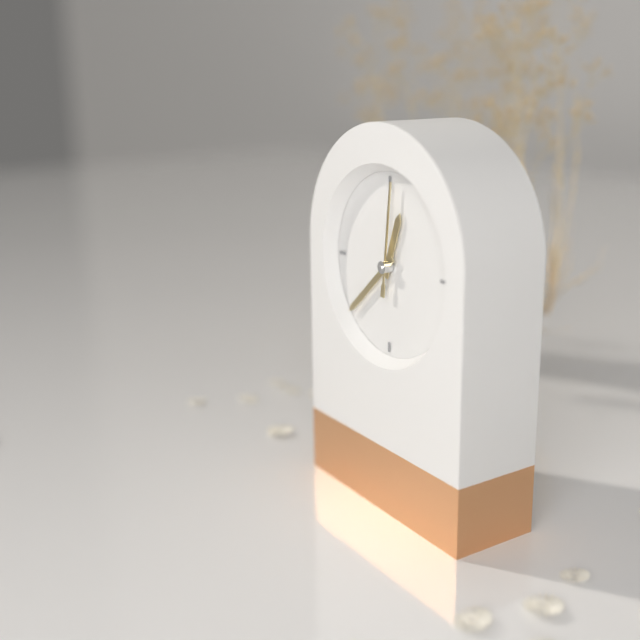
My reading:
12h38m01s
